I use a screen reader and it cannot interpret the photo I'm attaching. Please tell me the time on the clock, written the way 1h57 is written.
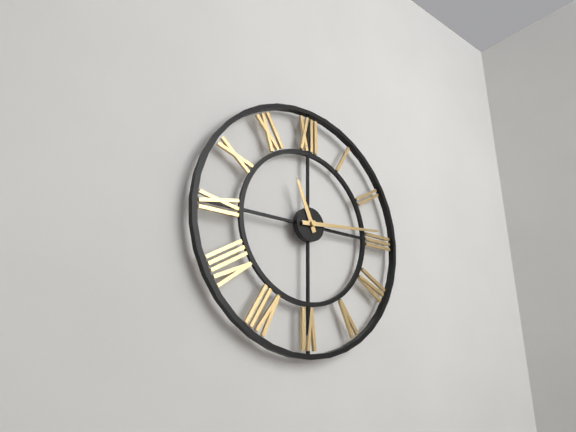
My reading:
11h14
